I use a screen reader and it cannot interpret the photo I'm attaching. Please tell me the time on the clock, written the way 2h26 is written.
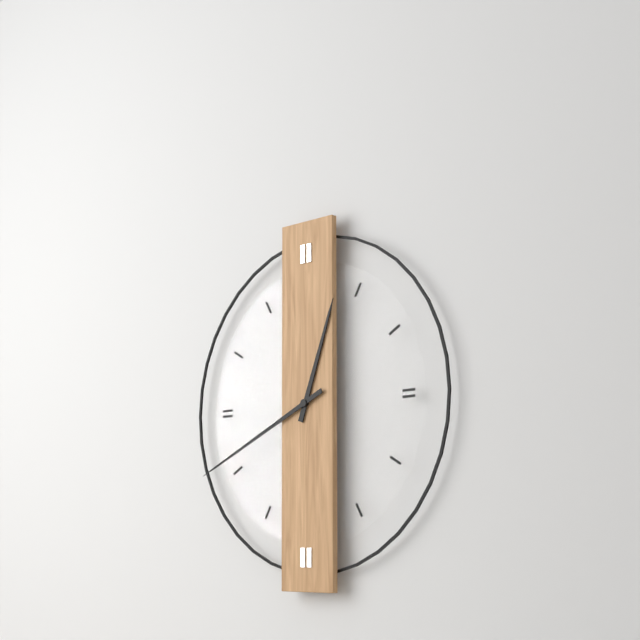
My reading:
12h41
